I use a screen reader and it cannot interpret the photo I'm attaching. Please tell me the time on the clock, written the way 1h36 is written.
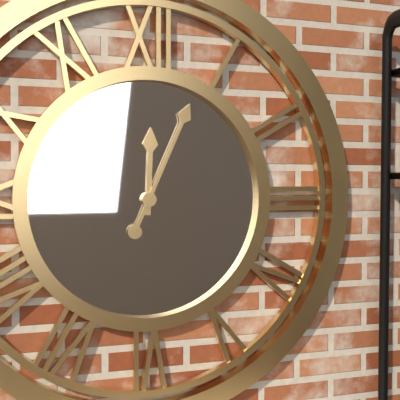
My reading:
12h04
